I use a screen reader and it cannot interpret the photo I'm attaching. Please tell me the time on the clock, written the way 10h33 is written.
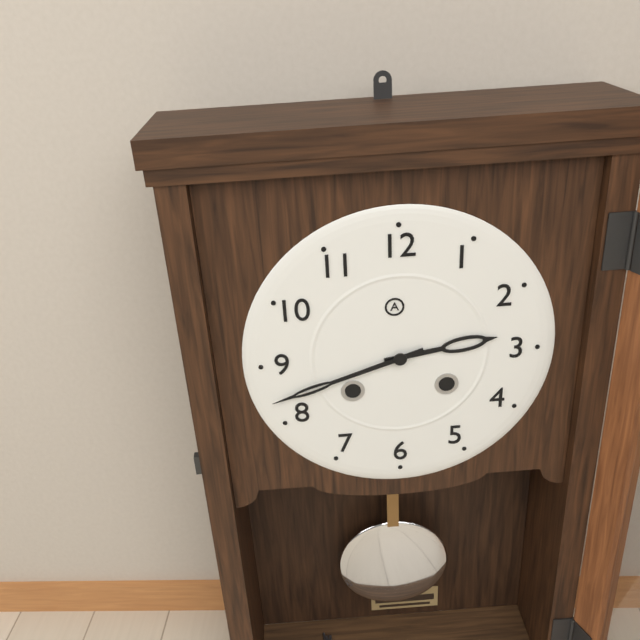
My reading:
2h42
